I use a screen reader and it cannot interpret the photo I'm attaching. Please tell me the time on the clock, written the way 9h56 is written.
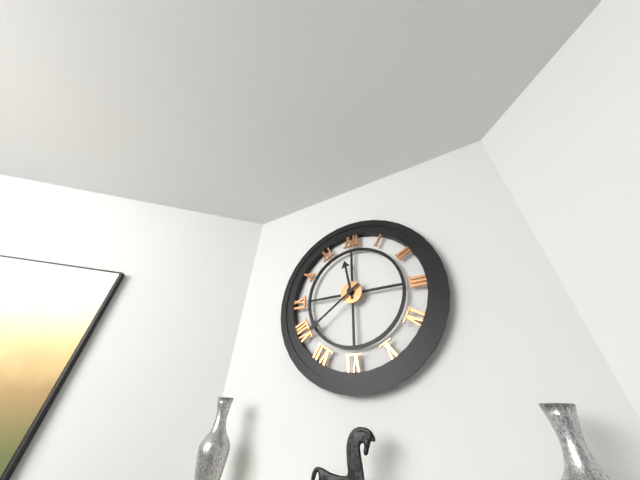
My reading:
11h39
